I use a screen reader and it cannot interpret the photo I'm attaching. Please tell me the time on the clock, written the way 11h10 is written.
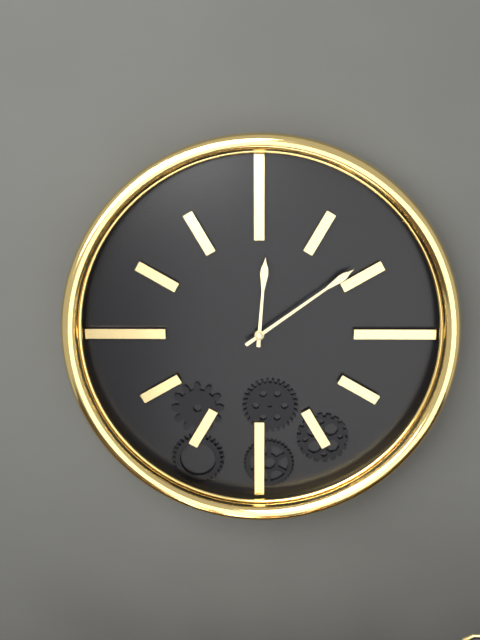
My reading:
12h09
